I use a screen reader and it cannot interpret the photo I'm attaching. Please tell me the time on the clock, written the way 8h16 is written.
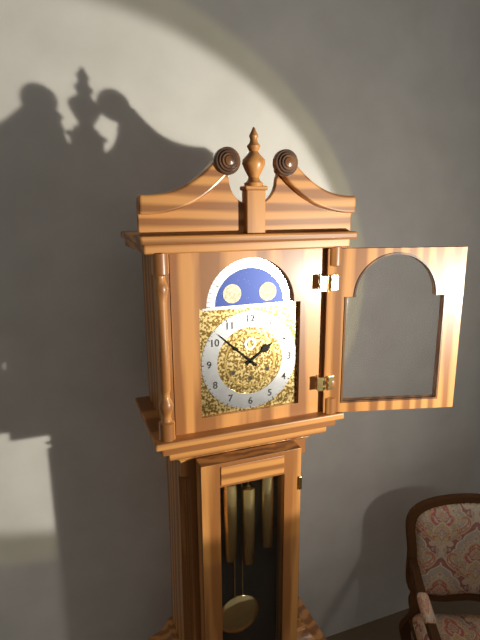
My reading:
1h52
